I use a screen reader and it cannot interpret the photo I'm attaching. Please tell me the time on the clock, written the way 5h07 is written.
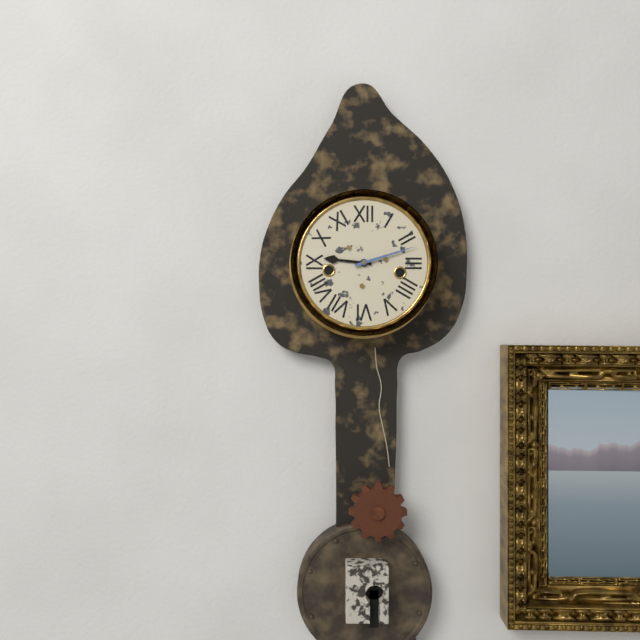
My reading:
9h12
